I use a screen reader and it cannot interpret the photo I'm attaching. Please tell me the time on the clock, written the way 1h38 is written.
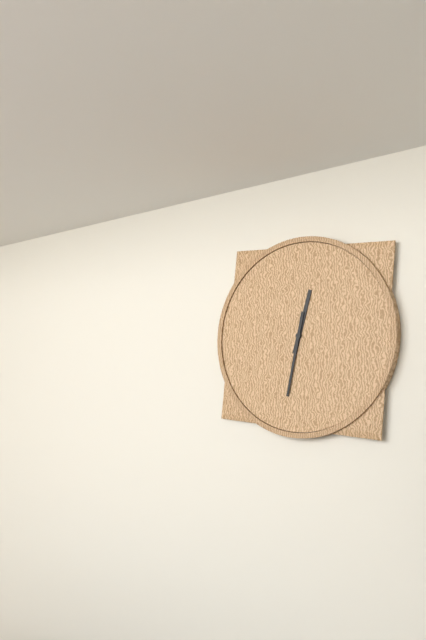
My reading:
12h32
